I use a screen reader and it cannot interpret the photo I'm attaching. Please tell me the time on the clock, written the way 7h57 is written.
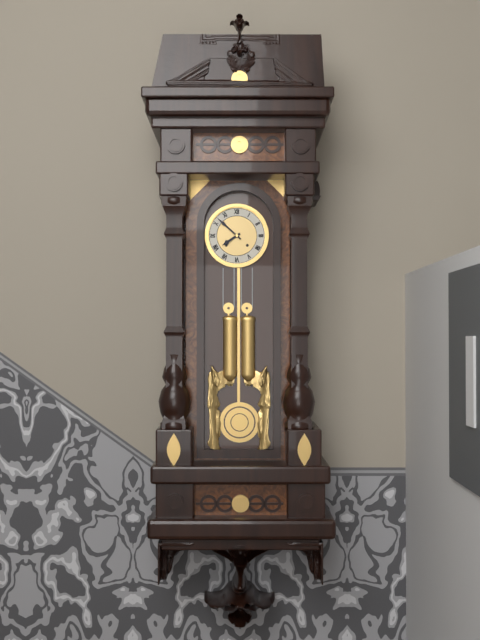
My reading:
7h52
